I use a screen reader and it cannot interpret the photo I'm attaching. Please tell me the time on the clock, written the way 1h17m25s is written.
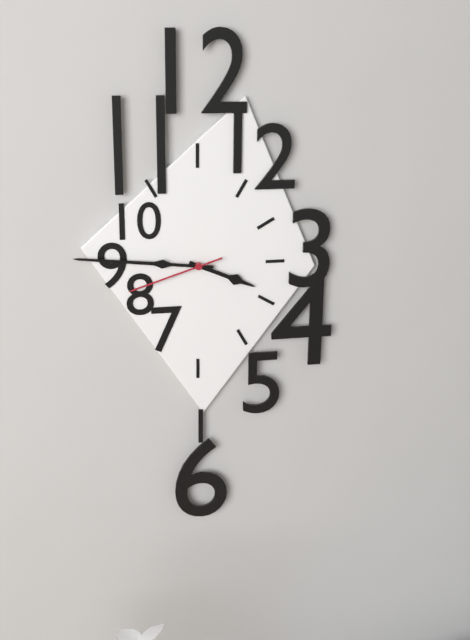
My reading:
3h46m42s
